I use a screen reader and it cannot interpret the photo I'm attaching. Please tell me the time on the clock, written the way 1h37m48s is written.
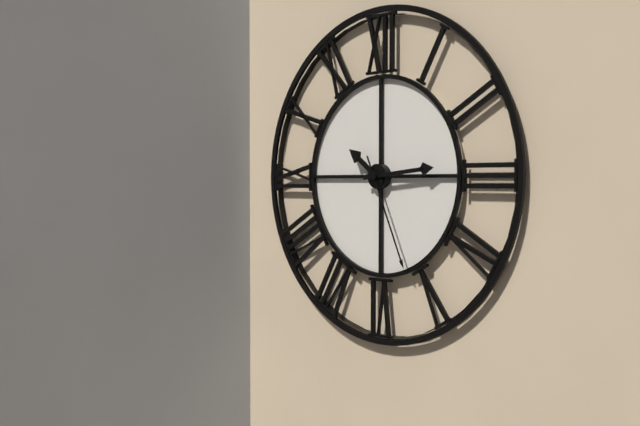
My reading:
10h14m26s
